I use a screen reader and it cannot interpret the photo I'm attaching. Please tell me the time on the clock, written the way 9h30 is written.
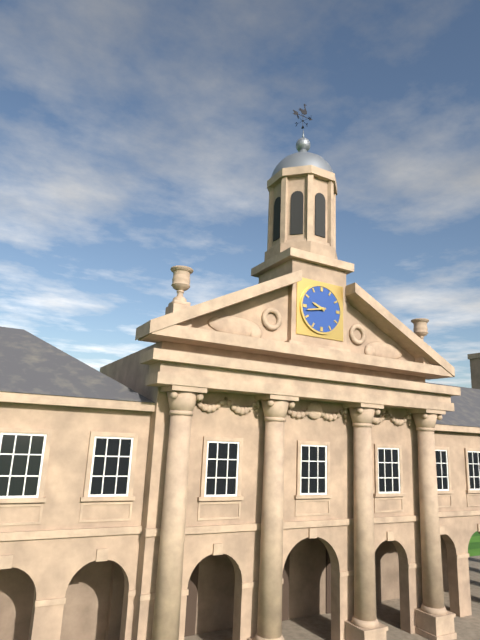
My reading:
9h43
